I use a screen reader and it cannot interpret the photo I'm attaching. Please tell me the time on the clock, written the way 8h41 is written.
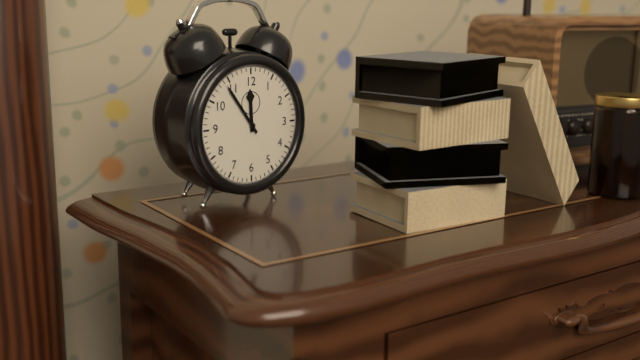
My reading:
11h54
